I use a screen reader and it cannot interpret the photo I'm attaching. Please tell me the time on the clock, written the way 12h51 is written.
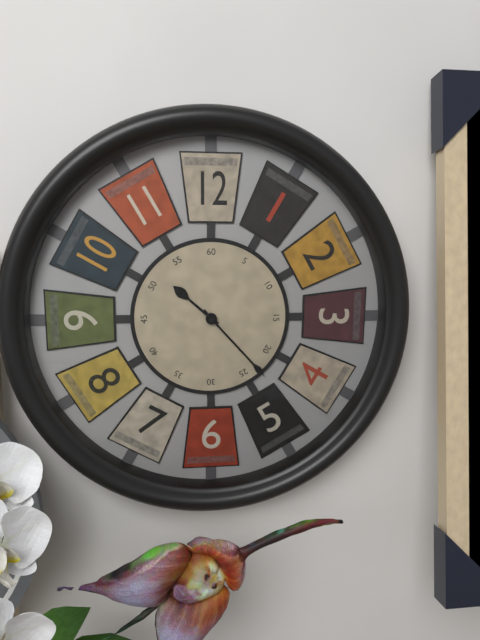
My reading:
10h23
